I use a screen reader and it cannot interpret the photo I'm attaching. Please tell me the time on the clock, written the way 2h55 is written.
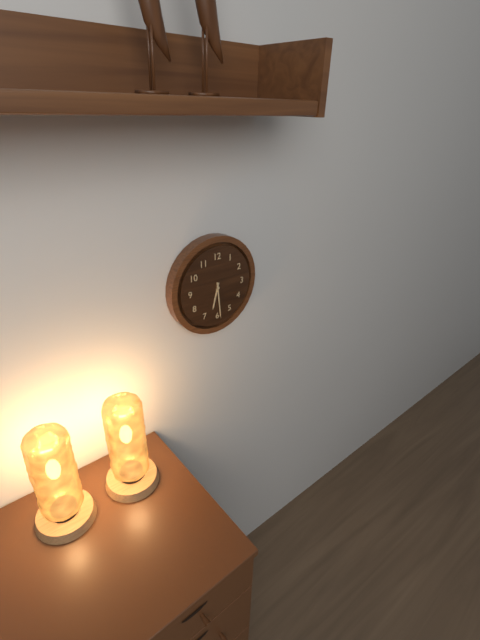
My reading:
6h29
